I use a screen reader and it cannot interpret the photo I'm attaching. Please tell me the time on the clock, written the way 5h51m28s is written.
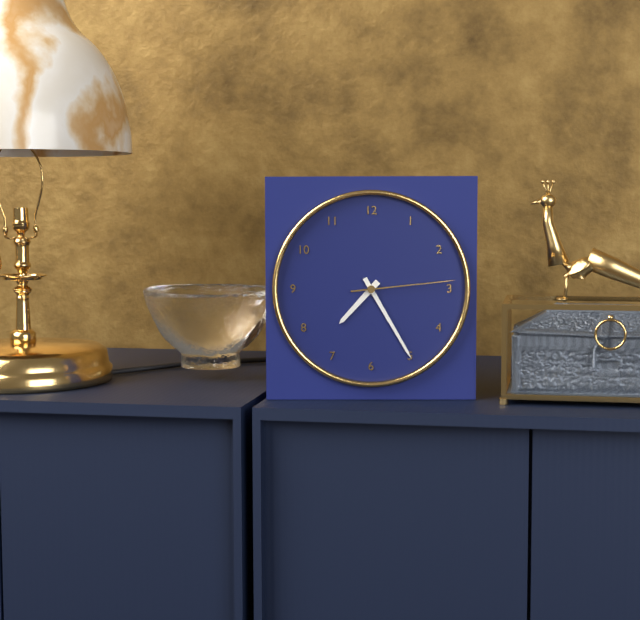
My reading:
7h25m14s
